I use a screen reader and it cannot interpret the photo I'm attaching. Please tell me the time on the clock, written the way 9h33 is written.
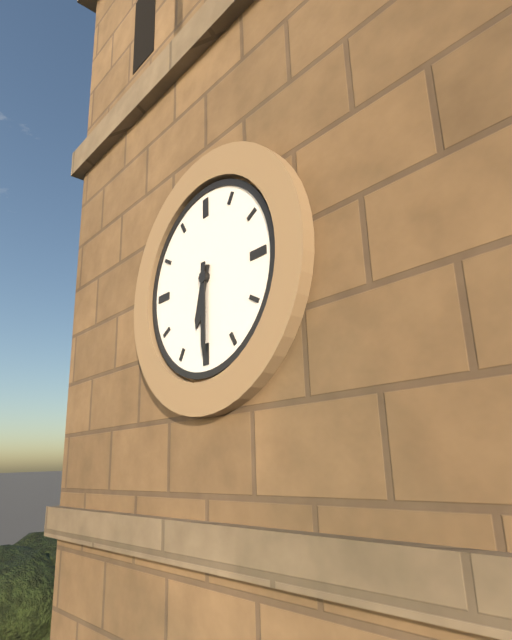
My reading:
6h30
